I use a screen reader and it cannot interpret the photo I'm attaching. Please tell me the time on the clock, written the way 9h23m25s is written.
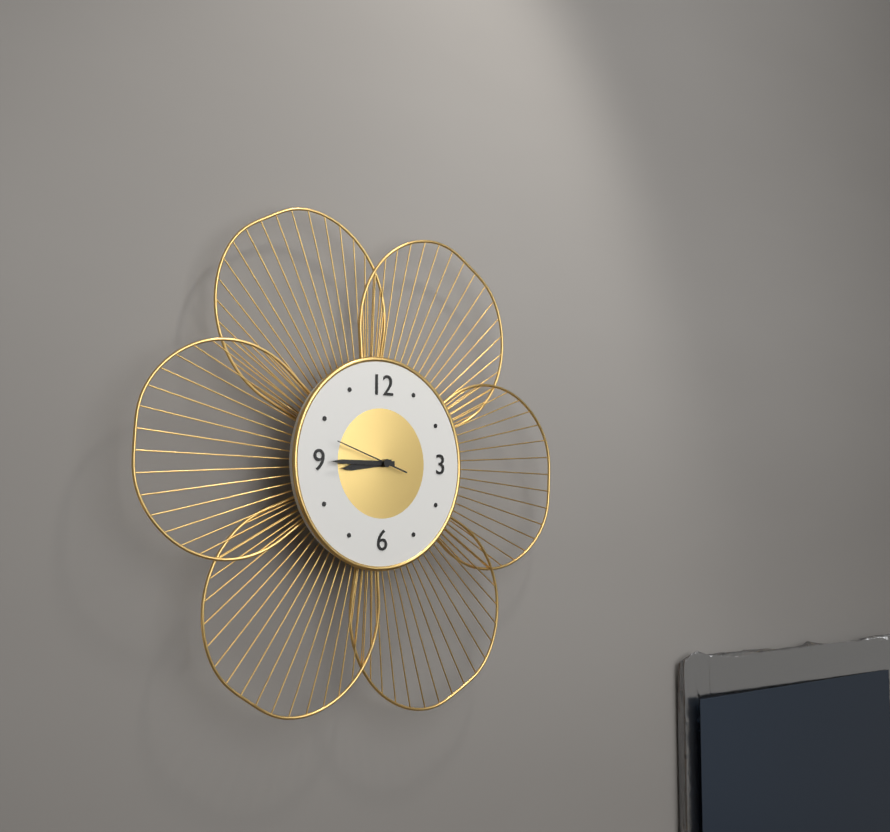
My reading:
8h45m48s
